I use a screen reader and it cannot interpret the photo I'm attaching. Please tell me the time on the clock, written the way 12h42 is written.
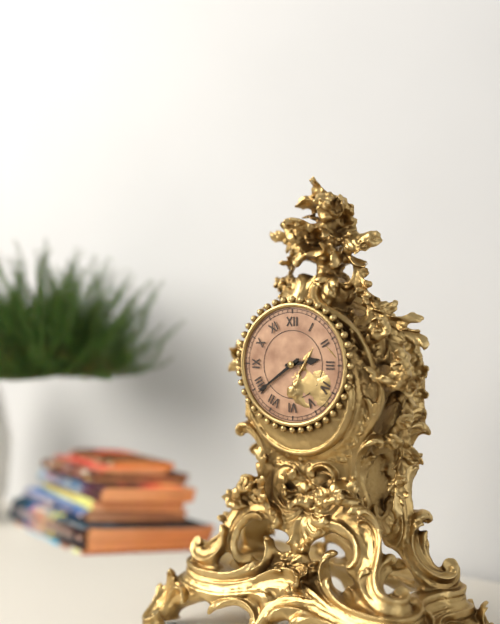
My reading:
2h39
